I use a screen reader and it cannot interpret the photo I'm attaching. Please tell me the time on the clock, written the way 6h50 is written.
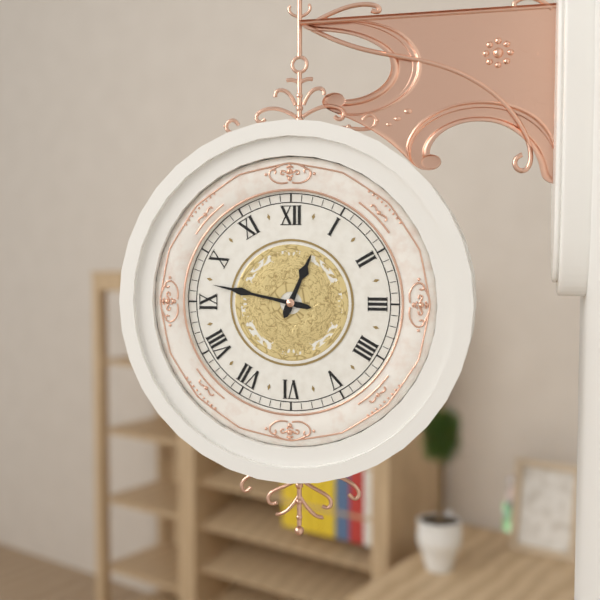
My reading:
12h47
